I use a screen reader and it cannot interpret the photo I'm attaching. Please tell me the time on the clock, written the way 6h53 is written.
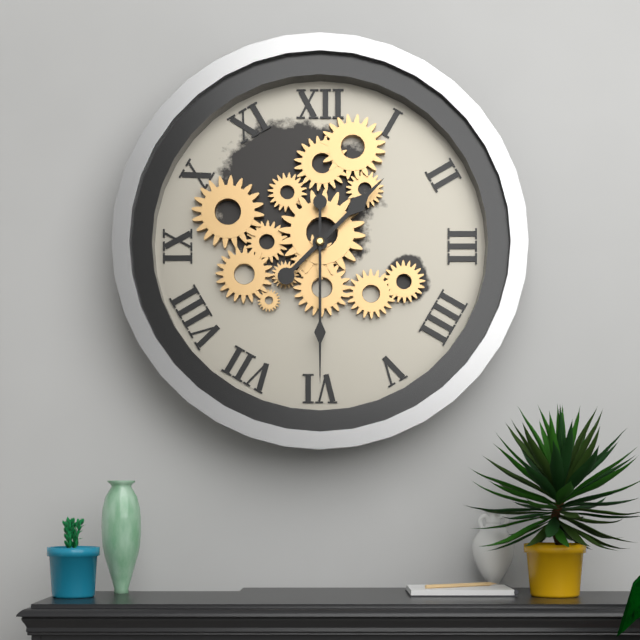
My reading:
1h30
